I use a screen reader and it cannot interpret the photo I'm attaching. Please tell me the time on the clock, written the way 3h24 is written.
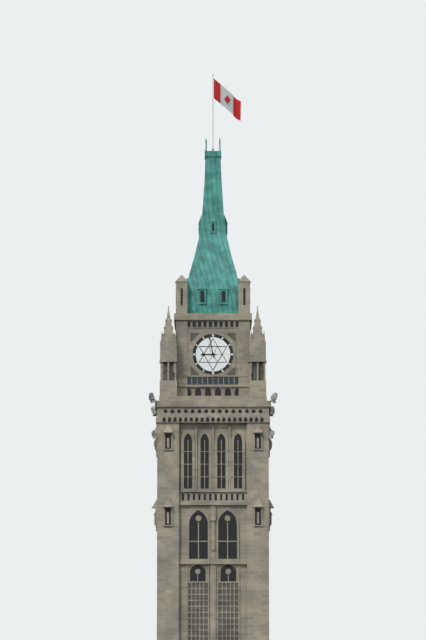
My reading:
8h58
